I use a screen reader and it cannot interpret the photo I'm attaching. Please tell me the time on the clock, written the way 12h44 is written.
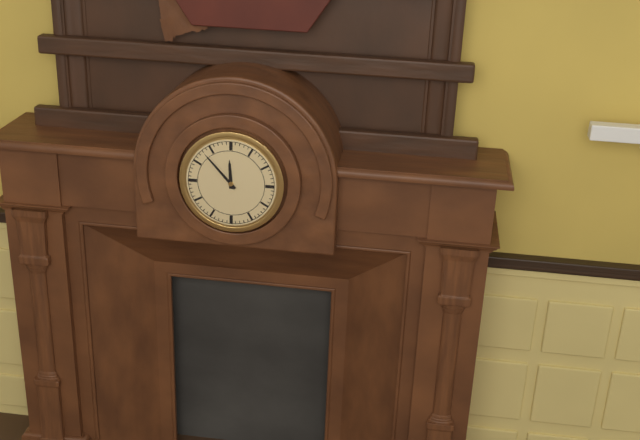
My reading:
11h53
